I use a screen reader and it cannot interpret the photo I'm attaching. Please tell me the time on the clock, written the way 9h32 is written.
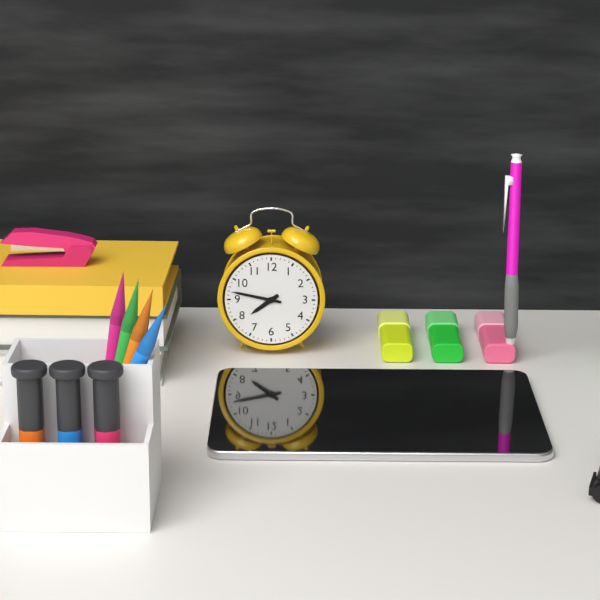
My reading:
7h47
